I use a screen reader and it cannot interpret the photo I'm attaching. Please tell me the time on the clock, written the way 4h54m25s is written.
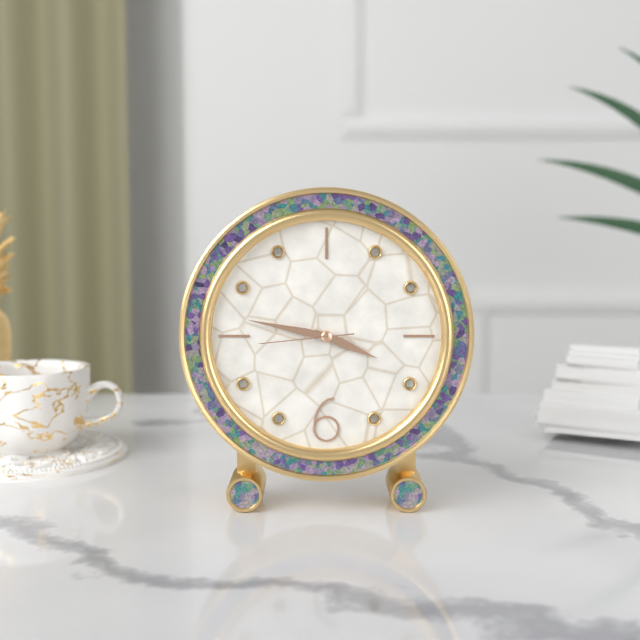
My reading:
3h47m44s
